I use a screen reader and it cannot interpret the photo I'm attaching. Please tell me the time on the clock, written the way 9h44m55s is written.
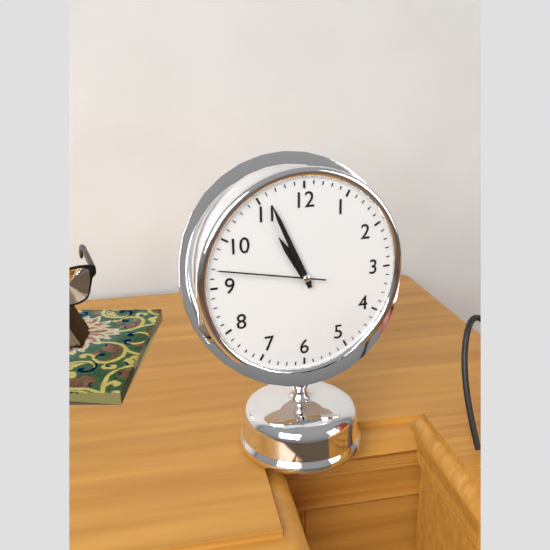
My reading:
10h56m47s
